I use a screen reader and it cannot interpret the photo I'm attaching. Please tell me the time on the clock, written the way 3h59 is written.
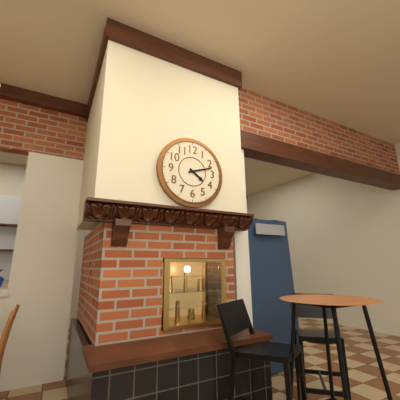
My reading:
4h12
